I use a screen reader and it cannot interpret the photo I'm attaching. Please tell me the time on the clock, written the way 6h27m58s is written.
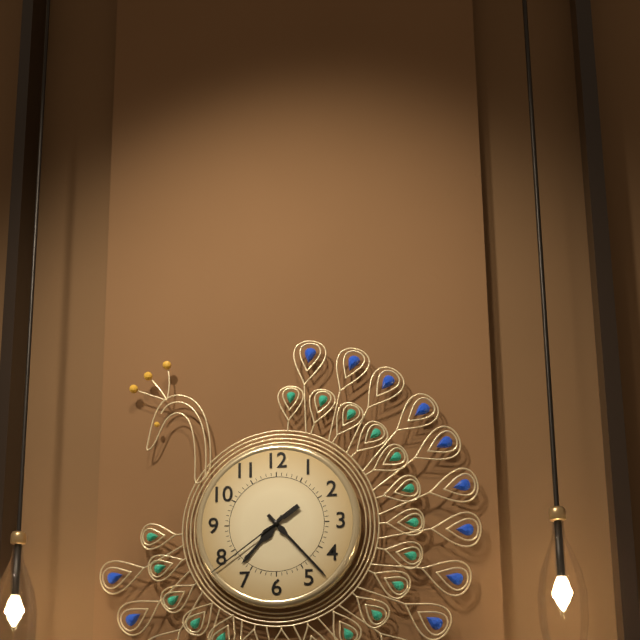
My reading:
7h23m39s
